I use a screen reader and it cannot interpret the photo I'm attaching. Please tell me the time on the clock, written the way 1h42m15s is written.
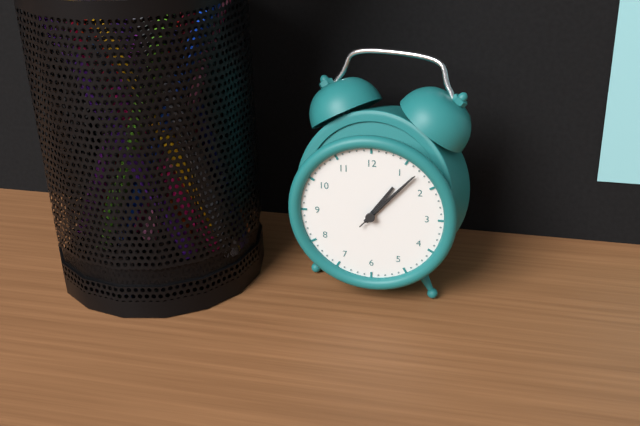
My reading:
1h07m07s
